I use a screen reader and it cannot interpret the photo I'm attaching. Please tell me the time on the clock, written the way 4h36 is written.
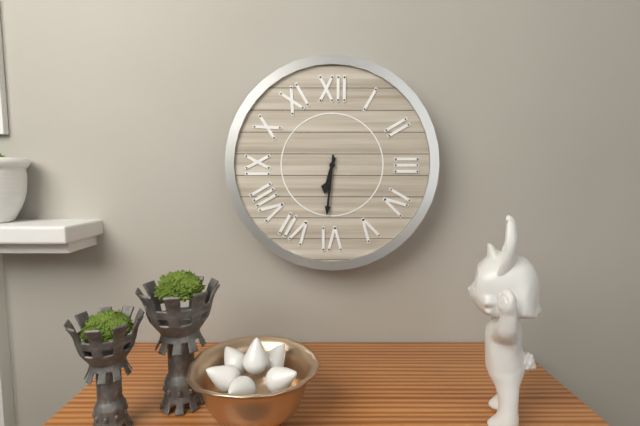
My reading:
6h31
